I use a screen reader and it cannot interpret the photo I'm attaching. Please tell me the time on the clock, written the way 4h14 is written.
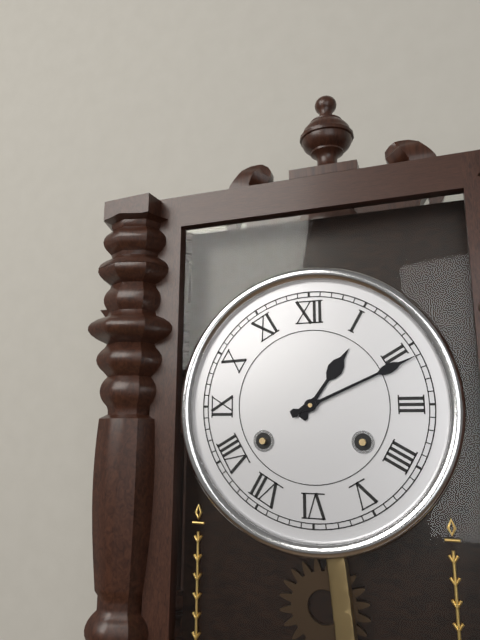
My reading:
1h11
